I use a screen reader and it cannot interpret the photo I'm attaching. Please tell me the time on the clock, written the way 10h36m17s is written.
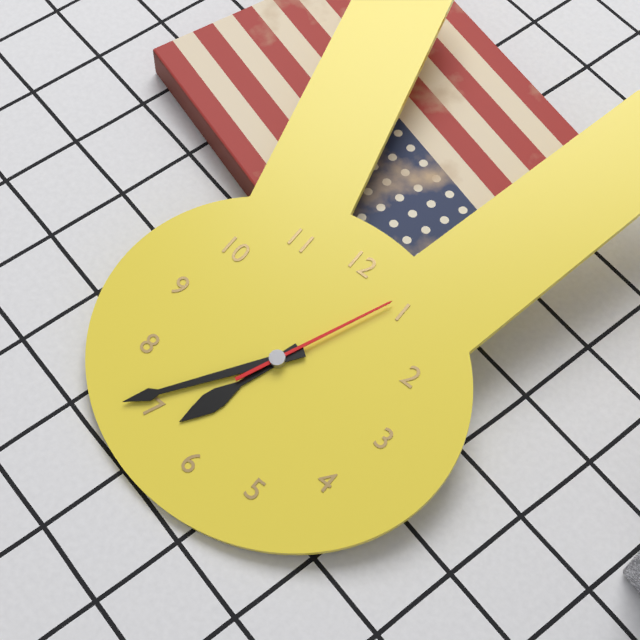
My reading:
6h36m04s
